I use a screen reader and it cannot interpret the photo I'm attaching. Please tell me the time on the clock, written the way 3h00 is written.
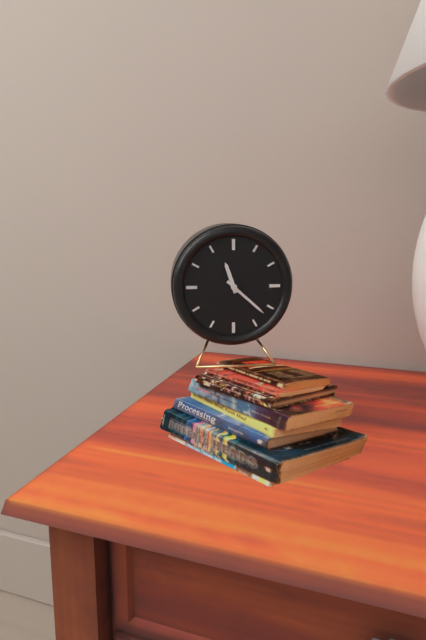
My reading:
11h22
